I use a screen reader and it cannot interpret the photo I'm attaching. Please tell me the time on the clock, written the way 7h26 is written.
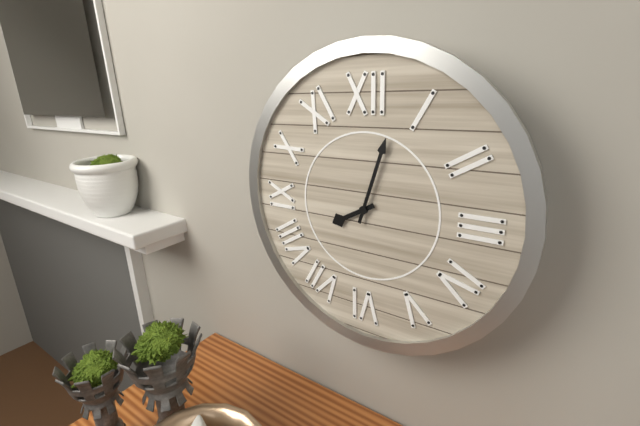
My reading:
8h03
